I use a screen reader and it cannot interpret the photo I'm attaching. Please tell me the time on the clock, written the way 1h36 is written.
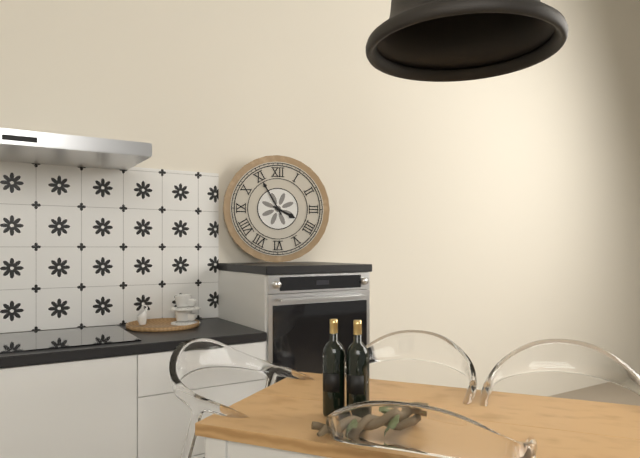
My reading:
3h55
